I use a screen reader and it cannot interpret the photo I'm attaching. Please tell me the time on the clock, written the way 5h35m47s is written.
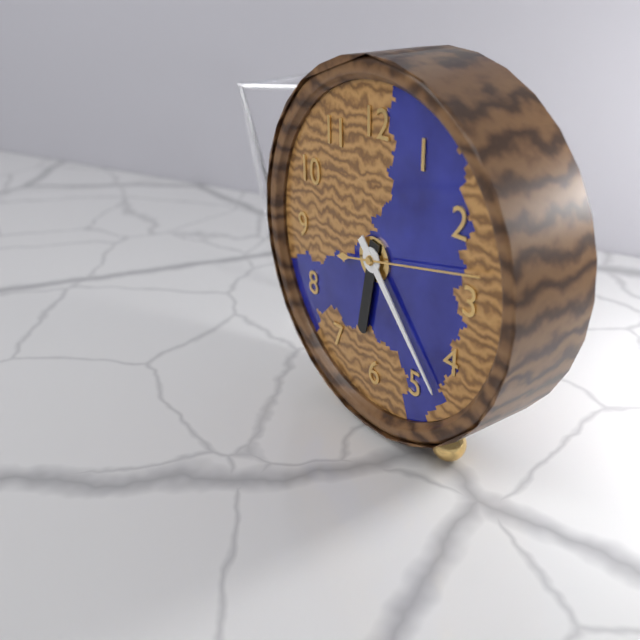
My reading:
6h23m13s
